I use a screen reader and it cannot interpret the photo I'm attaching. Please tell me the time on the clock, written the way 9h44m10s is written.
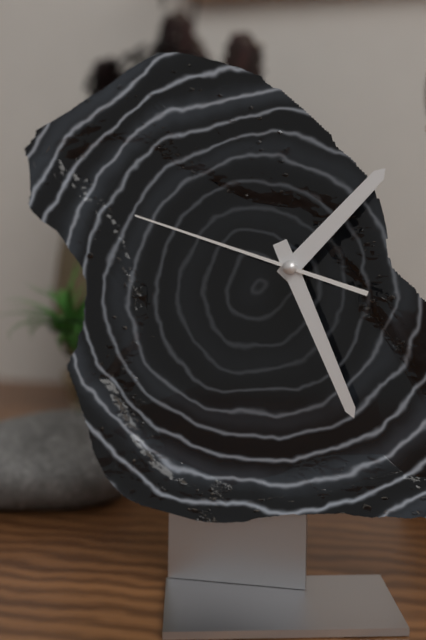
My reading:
1h26m48s
